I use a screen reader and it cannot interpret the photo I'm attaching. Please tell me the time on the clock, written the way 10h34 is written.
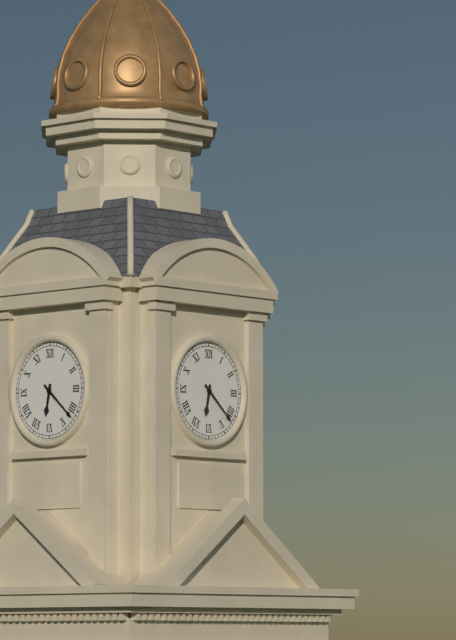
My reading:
6h22
